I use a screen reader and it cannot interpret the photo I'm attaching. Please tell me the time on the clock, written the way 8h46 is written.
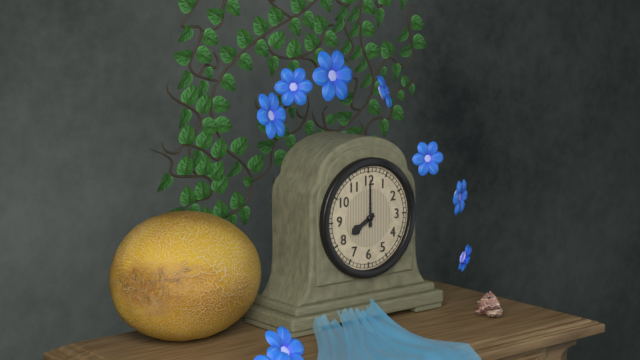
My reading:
8h00
